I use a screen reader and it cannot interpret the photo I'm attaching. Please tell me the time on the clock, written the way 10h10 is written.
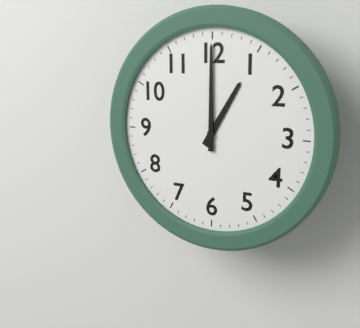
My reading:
1h00
